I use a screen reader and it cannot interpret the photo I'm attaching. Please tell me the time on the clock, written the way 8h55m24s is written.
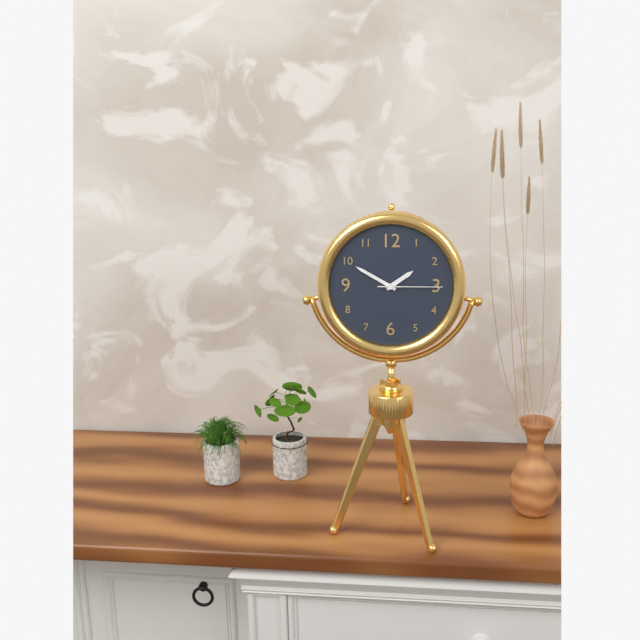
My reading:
1h50m15s
